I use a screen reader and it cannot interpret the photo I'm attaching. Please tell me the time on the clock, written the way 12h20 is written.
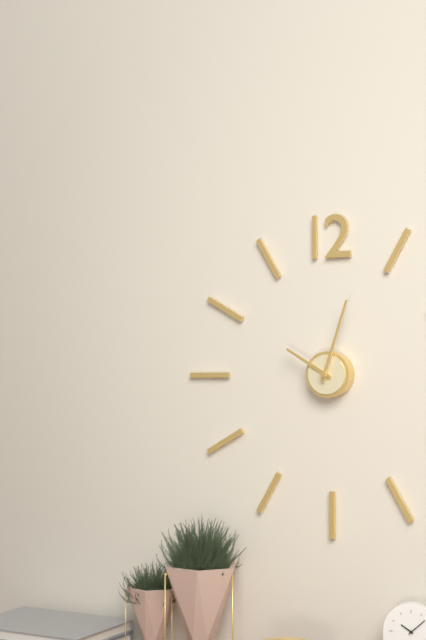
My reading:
10h03
